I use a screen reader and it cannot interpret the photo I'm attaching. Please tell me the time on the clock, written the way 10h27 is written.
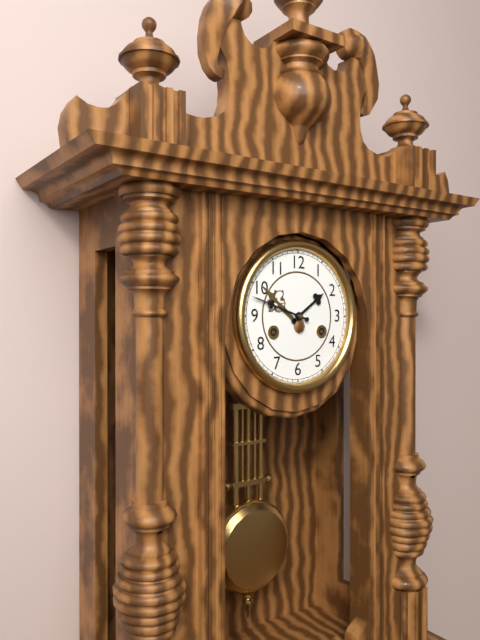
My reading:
1h48
